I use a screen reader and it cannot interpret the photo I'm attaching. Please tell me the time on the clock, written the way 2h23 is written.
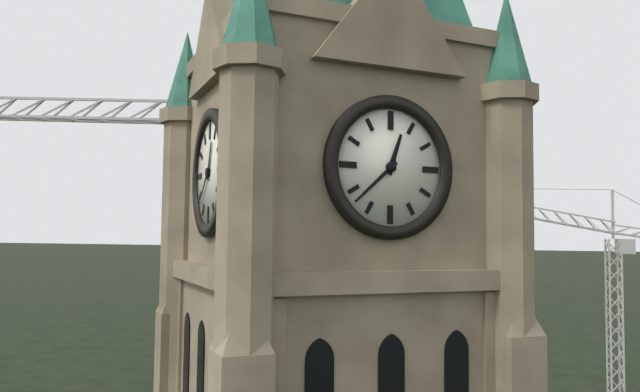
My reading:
12h38
